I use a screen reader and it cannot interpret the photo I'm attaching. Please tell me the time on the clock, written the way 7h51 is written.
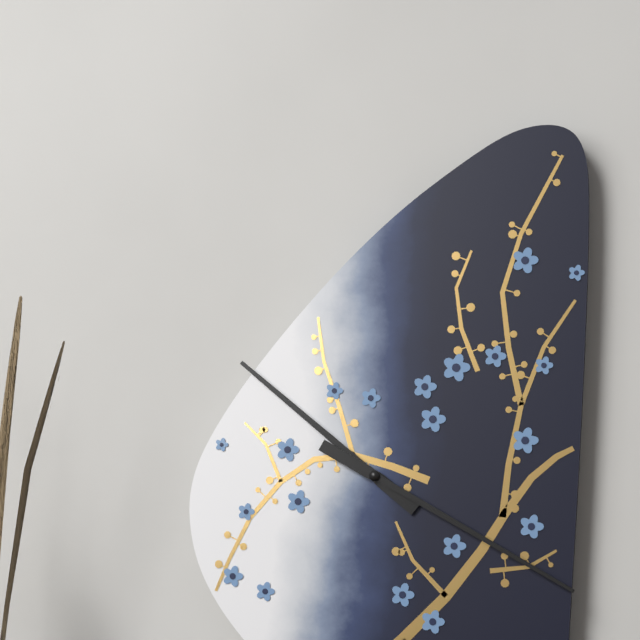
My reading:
10h20
